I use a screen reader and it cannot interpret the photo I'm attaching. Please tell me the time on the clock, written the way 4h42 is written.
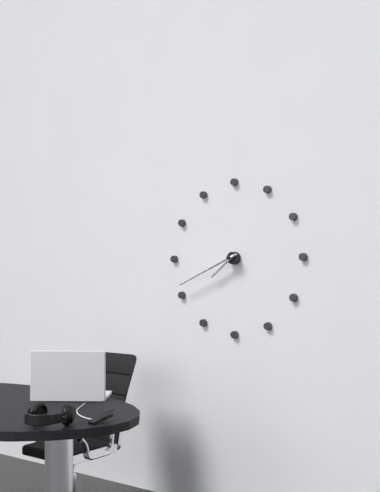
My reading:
7h41
